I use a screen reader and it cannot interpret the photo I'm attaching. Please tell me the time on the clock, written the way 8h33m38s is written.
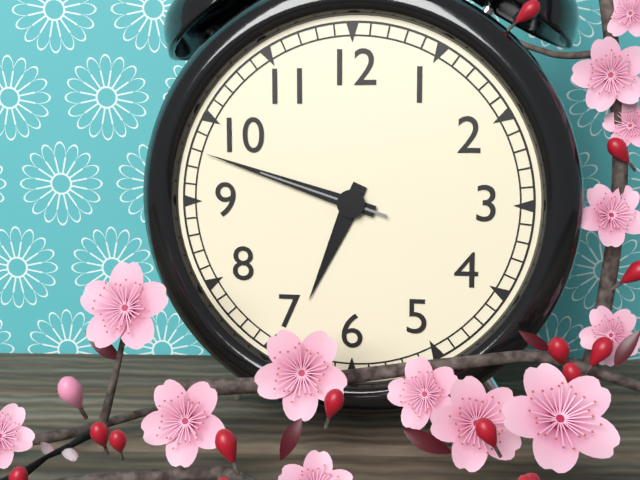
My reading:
6h48m48s
